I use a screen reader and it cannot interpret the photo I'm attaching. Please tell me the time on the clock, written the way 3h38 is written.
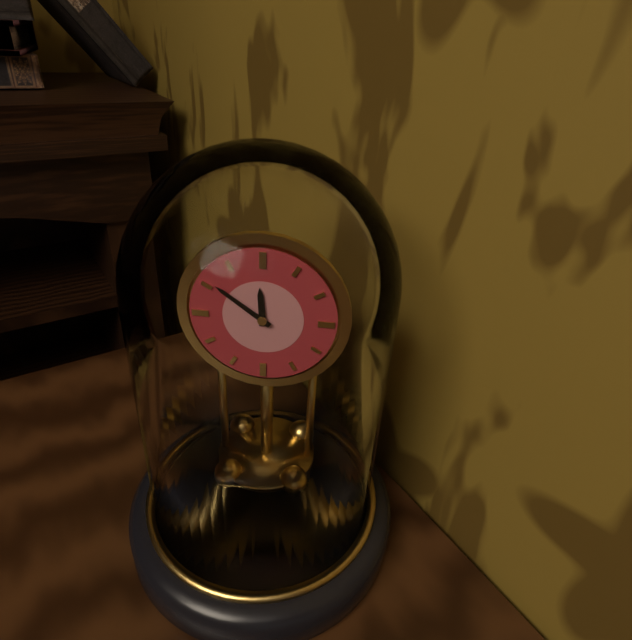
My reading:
11h51
